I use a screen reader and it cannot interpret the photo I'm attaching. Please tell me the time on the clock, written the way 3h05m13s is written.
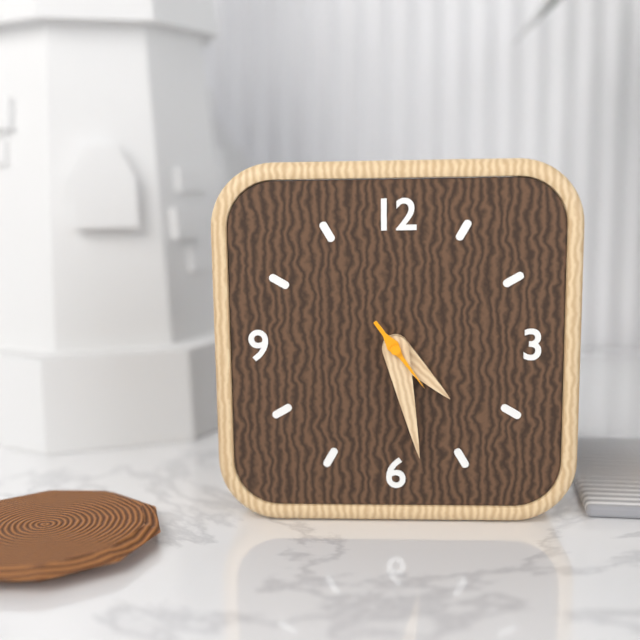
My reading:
4h28m24s
